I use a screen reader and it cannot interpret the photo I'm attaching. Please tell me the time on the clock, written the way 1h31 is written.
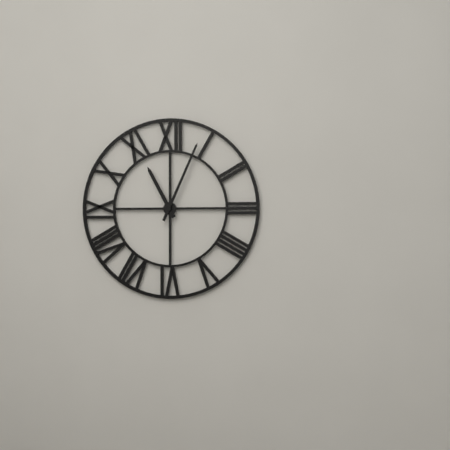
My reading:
11h04
